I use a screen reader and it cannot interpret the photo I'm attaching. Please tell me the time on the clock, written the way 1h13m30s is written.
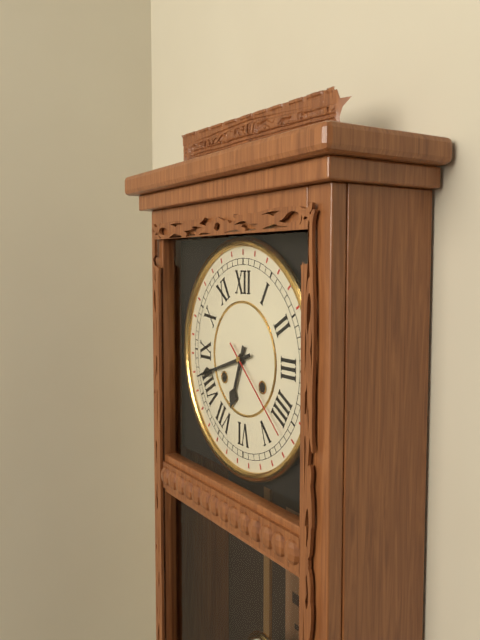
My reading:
6h42m22s
